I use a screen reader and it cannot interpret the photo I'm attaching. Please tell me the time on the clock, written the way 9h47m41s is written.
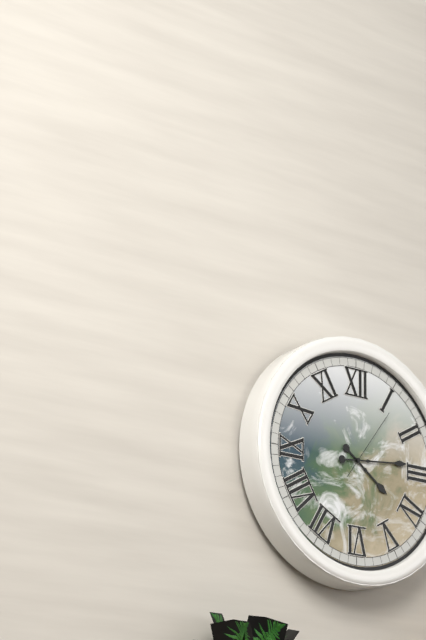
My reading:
4h14m06s
